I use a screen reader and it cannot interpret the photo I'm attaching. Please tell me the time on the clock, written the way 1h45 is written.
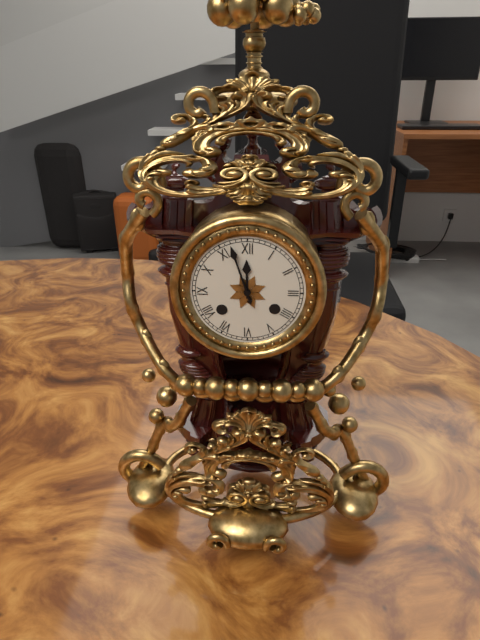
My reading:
11h57
